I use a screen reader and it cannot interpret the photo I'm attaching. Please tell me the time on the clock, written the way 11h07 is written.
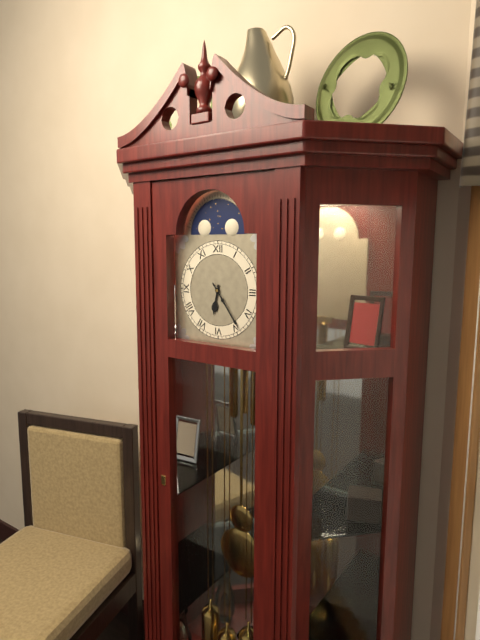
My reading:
6h24
